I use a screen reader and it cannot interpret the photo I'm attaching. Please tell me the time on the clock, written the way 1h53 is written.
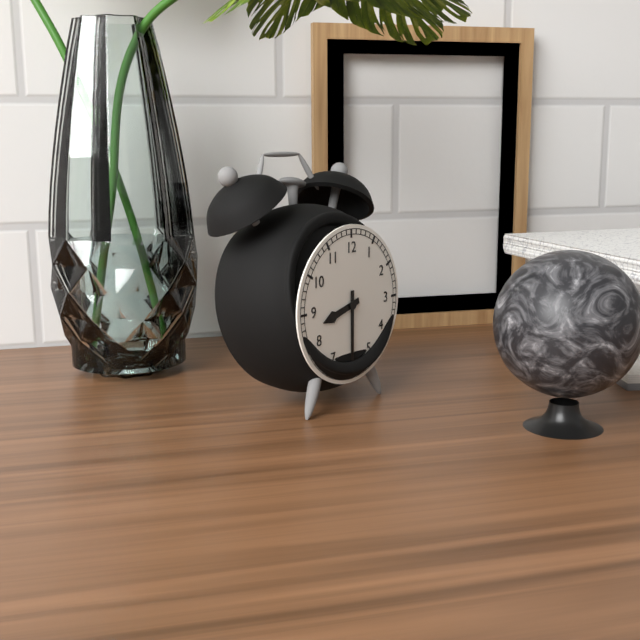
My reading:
8h30
